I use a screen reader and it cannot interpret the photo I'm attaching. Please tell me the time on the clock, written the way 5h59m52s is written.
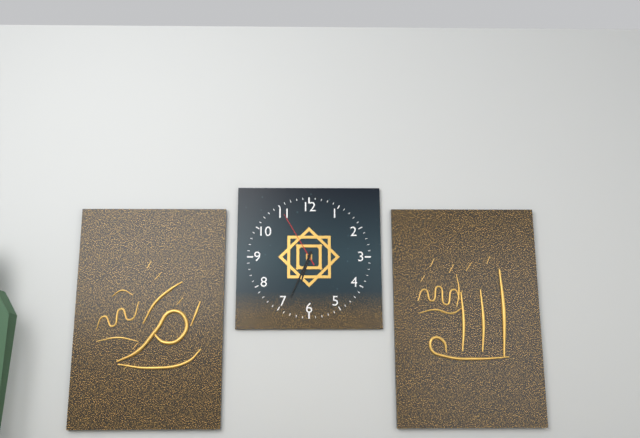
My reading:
6h34m55s
